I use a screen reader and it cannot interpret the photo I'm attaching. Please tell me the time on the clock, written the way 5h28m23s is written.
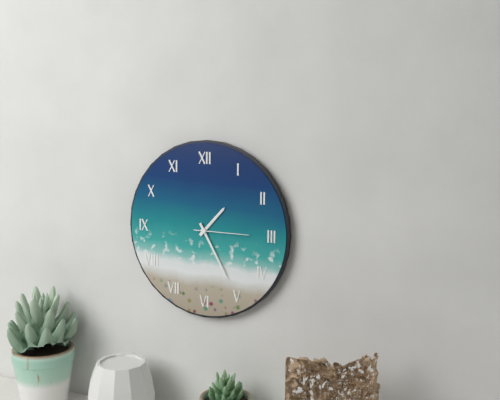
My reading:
1h25m15s
